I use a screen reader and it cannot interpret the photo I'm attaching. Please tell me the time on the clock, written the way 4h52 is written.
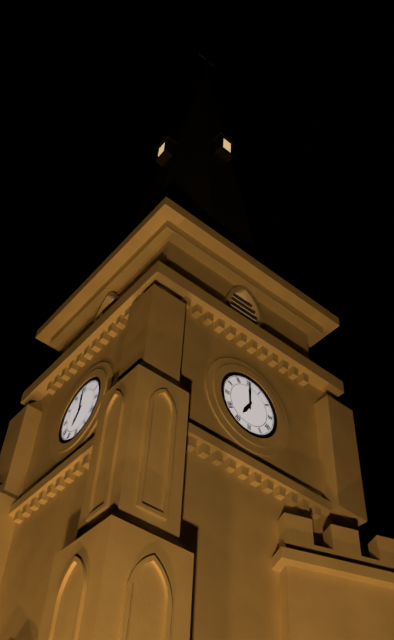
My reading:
7h00
